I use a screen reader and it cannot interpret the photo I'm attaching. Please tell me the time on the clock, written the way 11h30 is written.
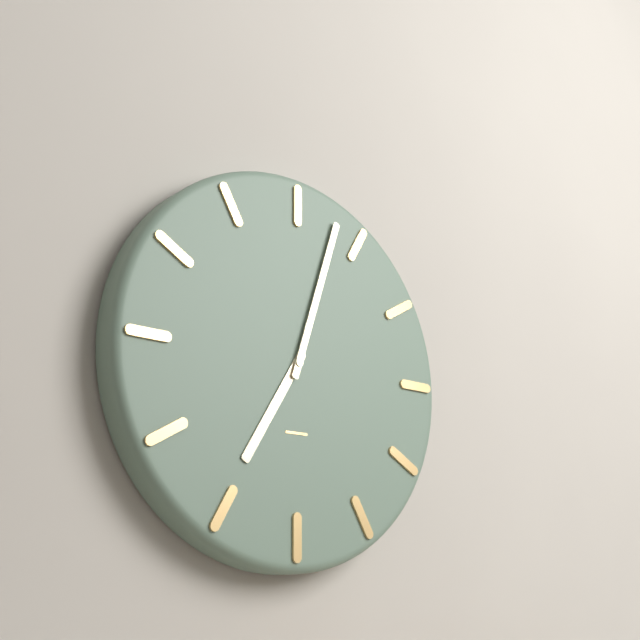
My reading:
7h03
